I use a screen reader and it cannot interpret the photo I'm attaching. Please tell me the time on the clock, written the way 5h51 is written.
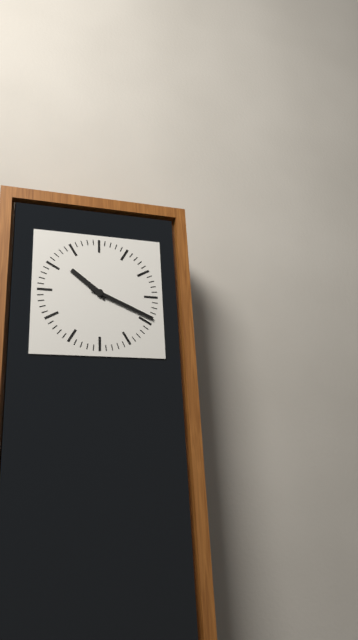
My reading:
10h19
